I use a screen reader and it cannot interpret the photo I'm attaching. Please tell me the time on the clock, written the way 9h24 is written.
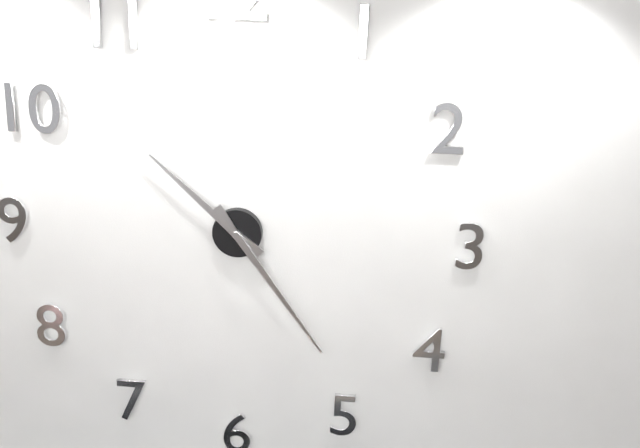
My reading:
10h24
